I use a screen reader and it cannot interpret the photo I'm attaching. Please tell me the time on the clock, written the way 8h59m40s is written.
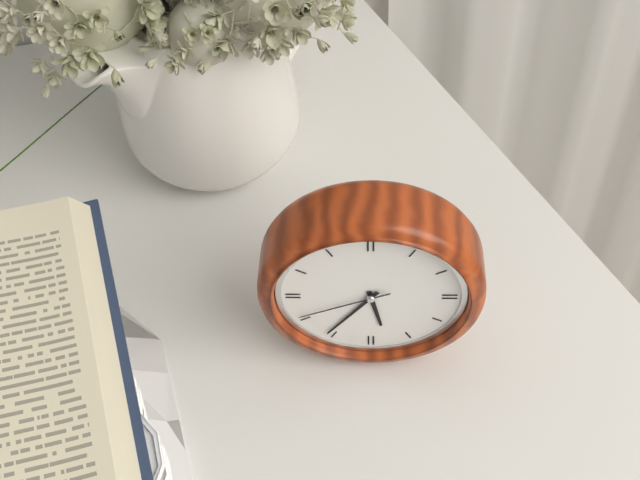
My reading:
5h36m41s
